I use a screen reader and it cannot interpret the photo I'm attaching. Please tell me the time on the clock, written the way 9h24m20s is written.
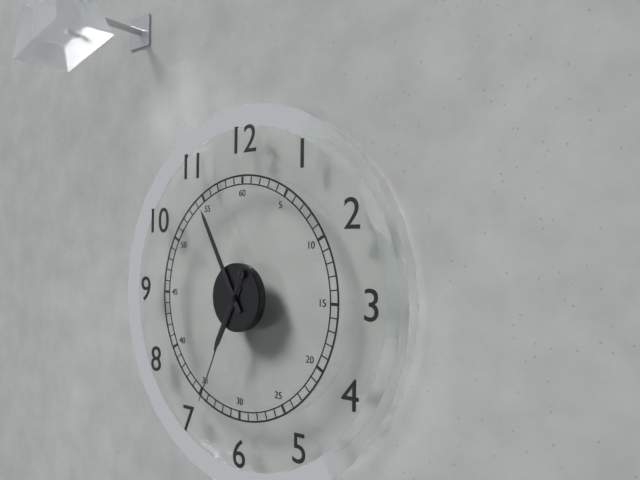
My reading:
6h55m34s
